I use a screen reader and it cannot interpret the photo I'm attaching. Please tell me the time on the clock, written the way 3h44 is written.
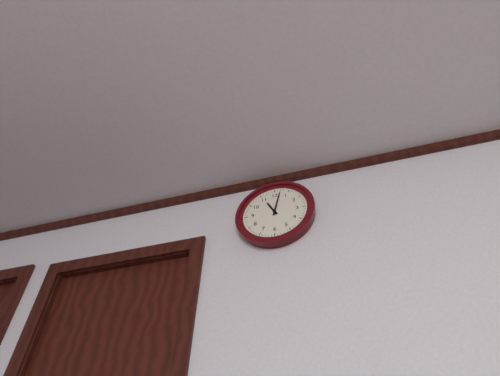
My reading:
11h02
